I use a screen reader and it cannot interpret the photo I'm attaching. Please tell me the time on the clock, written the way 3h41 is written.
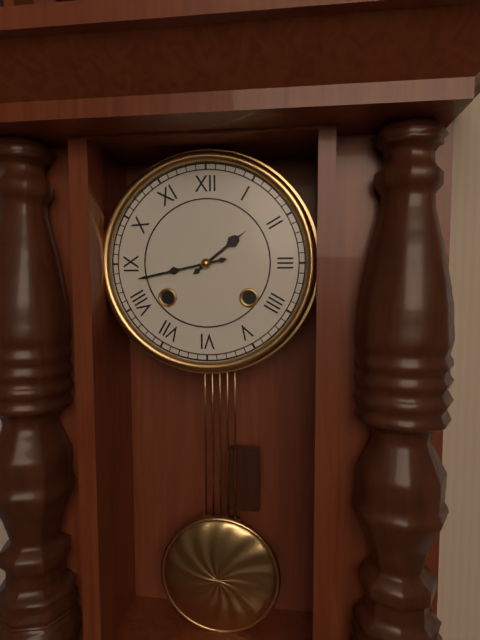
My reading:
1h43
